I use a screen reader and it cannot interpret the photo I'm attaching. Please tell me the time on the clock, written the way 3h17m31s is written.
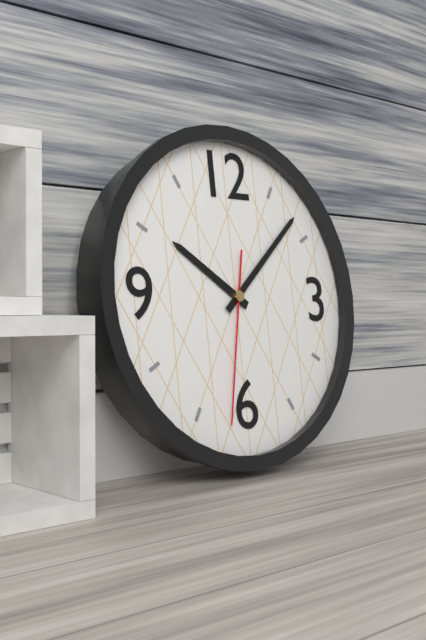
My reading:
10h08m32s
